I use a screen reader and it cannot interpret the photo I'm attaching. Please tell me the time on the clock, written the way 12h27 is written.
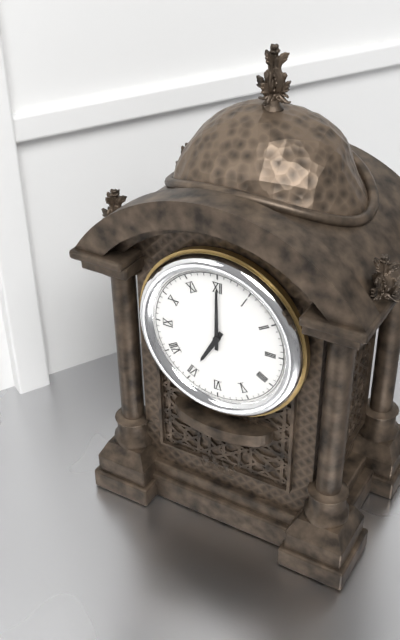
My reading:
7h00
